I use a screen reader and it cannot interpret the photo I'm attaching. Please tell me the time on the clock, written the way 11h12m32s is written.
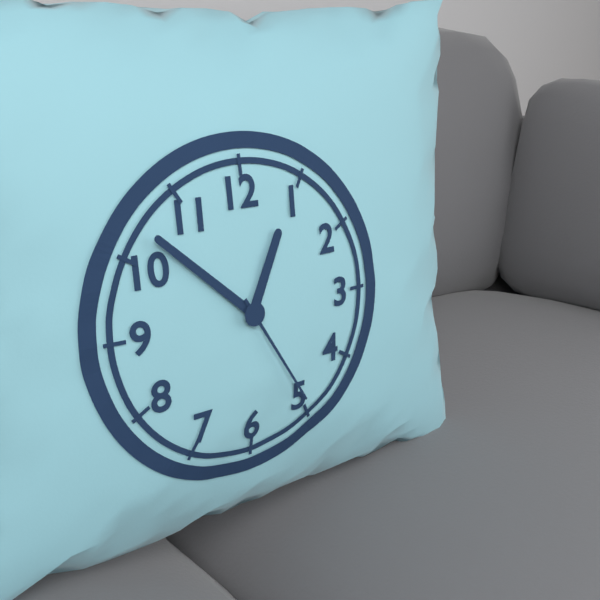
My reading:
12h52m25s
